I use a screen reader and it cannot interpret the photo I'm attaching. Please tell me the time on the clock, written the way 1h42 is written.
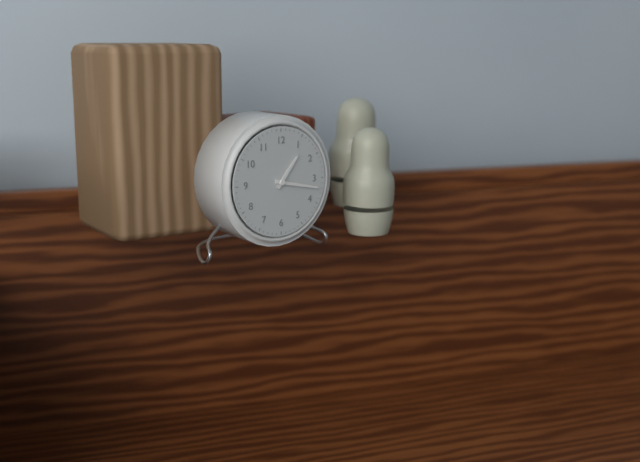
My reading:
1h17
